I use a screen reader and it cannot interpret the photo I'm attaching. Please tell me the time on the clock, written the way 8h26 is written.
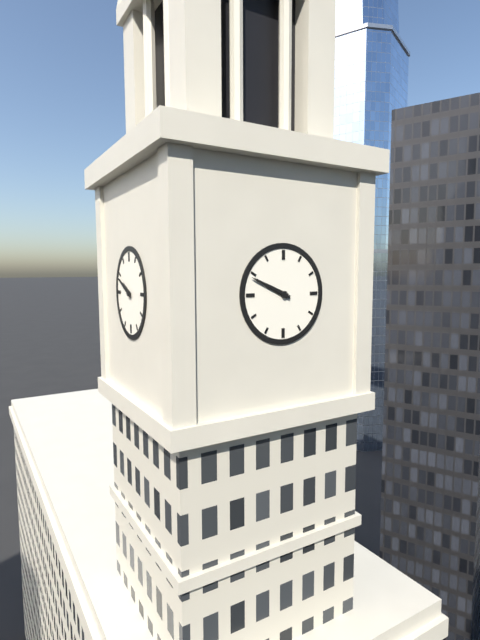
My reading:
9h49
